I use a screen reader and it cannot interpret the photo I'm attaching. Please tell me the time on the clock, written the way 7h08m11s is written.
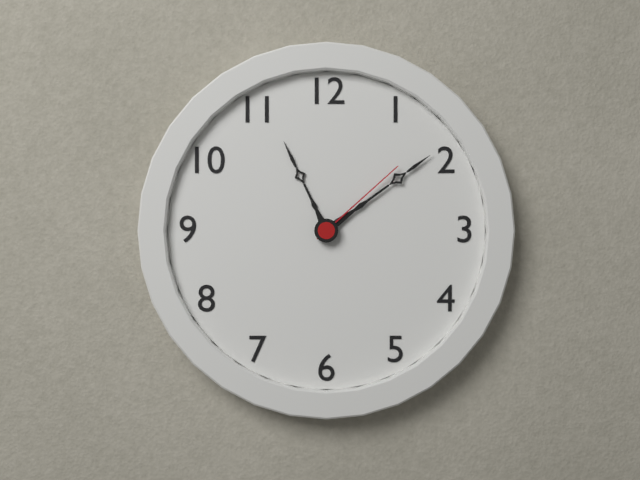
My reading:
11h09m08s
